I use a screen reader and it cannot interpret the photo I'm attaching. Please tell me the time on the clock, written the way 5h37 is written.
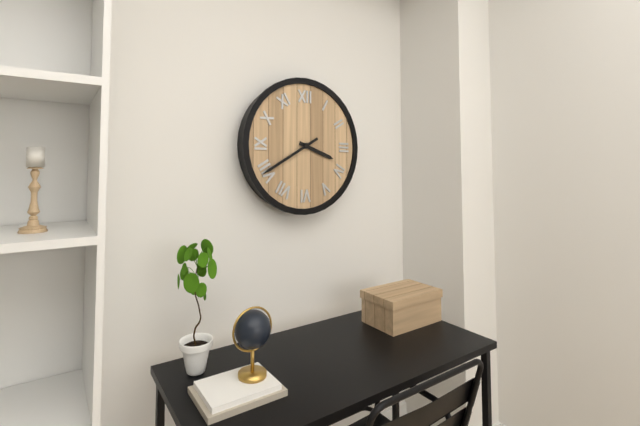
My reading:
3h40
